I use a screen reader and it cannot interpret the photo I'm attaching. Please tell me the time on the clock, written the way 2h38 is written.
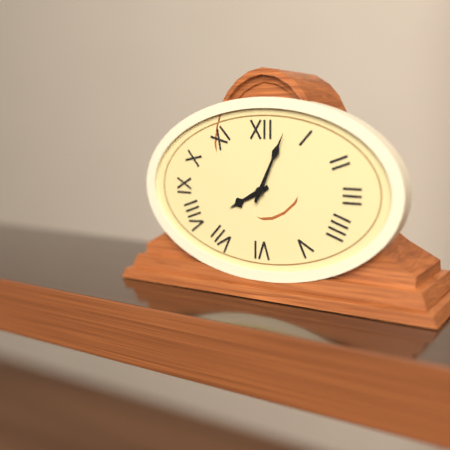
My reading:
8h04
